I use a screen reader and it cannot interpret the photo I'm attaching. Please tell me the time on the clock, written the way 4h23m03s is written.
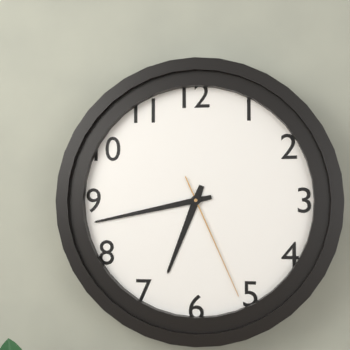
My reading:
6h43m26s
